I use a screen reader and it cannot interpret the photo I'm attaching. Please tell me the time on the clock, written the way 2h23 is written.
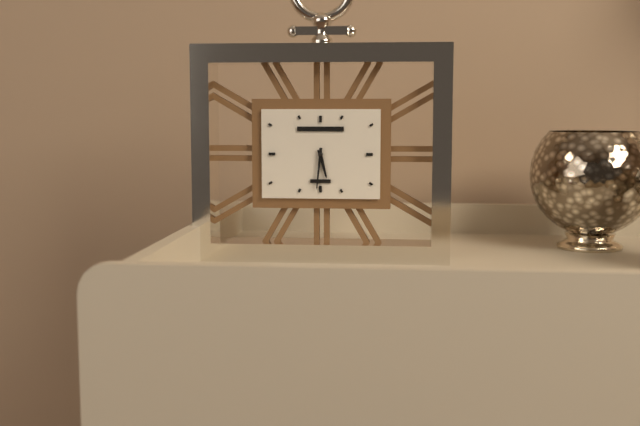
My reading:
5h31
